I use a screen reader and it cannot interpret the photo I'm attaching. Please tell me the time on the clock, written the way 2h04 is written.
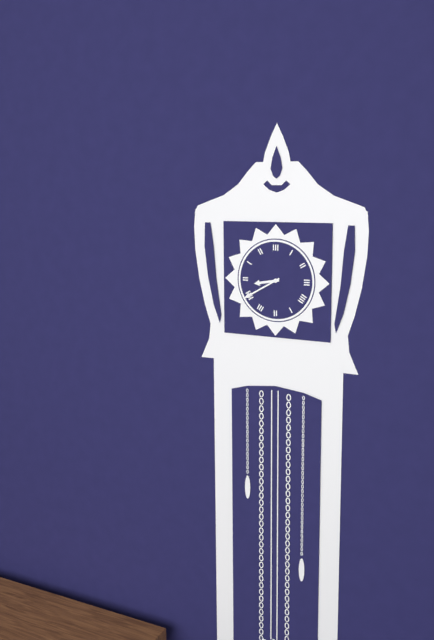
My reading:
8h40
